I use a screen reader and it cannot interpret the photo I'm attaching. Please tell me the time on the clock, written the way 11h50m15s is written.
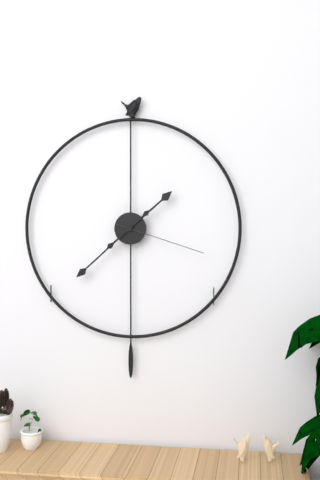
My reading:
1h38m18s
